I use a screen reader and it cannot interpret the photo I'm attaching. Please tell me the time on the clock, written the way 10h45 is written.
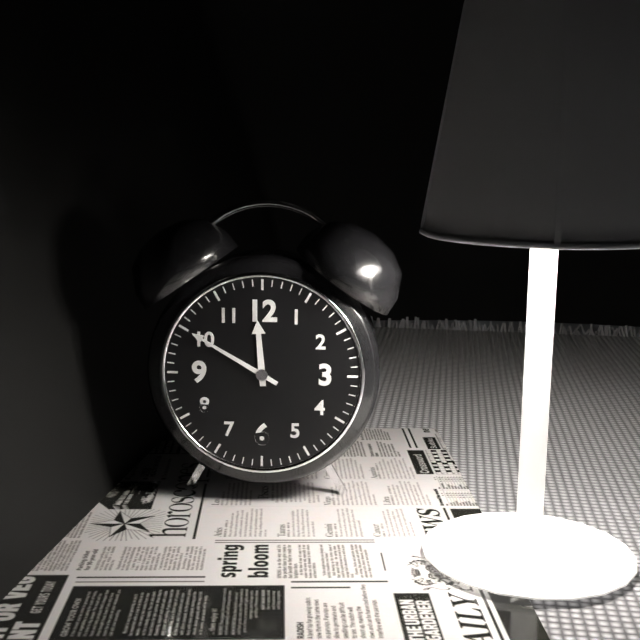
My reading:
11h50
